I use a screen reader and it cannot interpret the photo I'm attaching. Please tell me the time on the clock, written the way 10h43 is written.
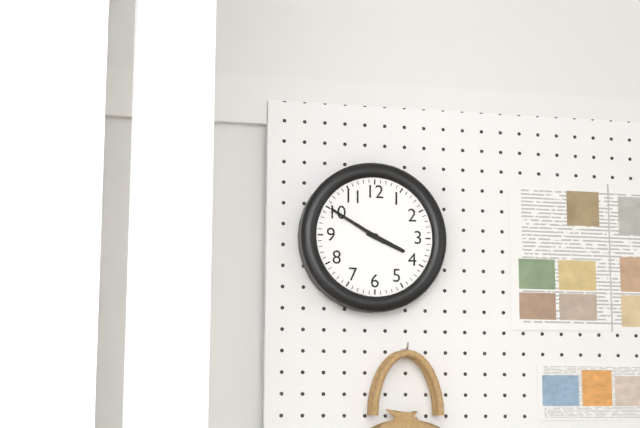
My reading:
3h50
